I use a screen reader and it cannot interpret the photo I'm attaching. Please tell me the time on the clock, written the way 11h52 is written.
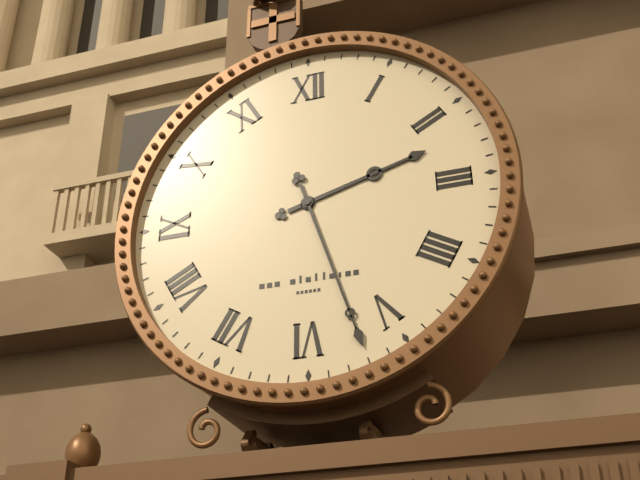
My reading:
2h27
